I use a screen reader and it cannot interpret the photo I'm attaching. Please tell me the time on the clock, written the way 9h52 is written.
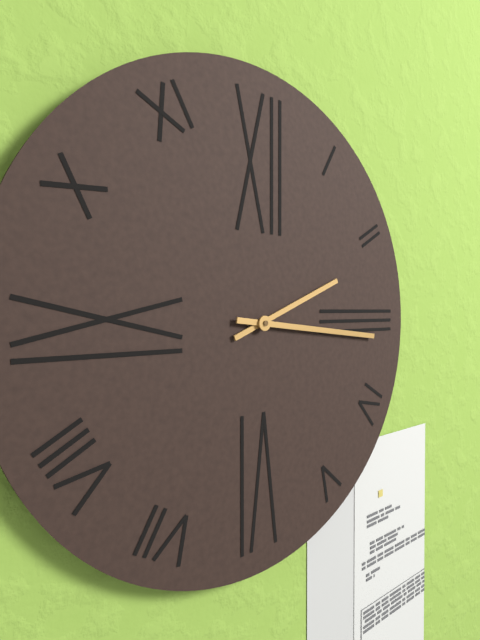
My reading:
2h16
